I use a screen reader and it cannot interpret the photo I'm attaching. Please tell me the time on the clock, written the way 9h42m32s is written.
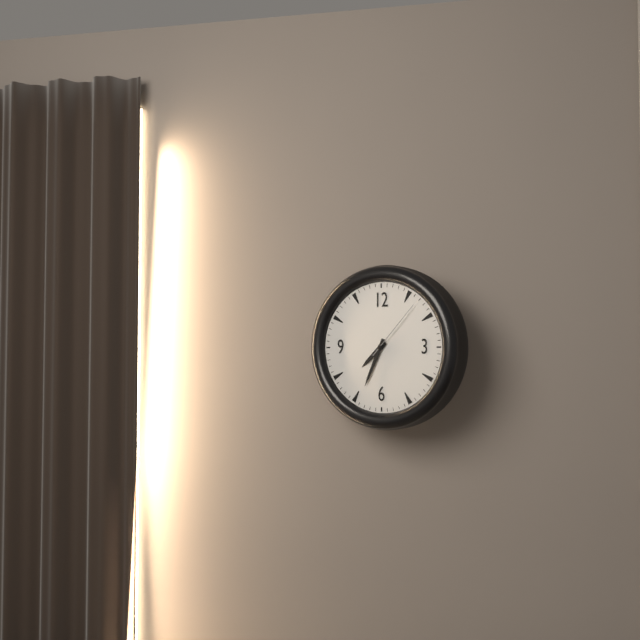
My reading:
7h34m07s
